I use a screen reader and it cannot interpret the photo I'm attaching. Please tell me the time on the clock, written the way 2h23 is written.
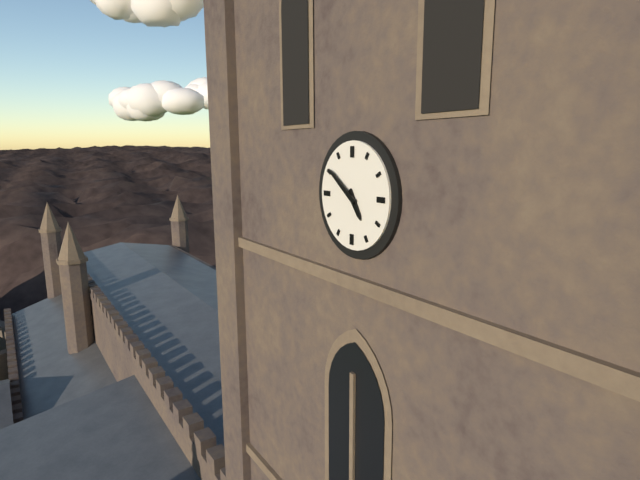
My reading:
4h51
